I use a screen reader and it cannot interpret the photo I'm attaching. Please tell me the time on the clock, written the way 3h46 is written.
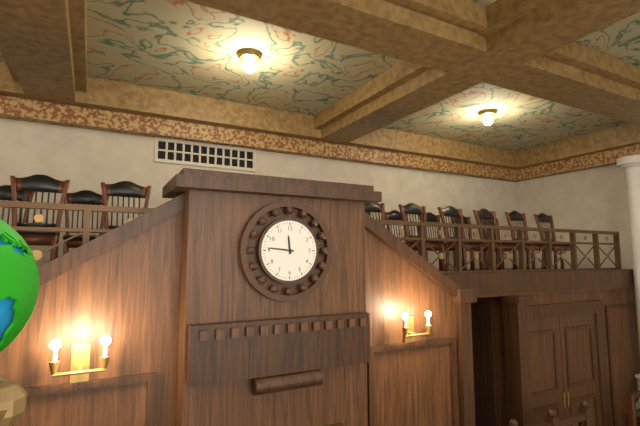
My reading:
11h46
